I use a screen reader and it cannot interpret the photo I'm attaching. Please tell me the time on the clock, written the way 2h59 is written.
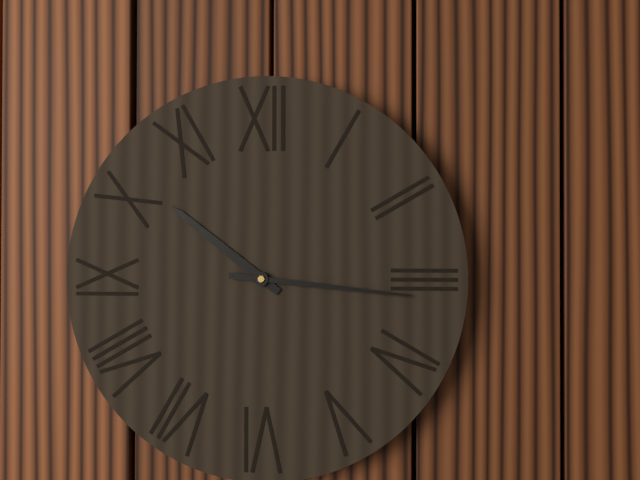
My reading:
10h16
